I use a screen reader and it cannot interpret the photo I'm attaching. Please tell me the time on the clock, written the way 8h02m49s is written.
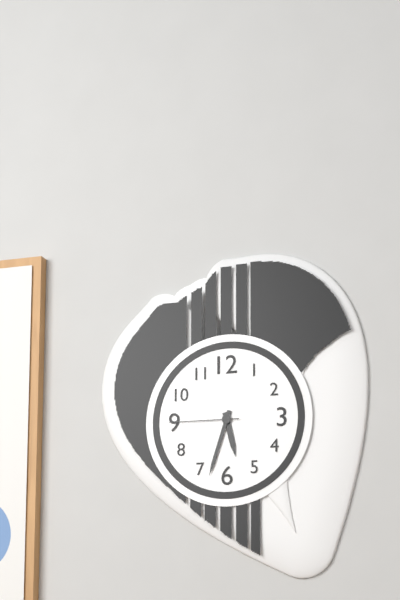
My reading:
5h33m45s
